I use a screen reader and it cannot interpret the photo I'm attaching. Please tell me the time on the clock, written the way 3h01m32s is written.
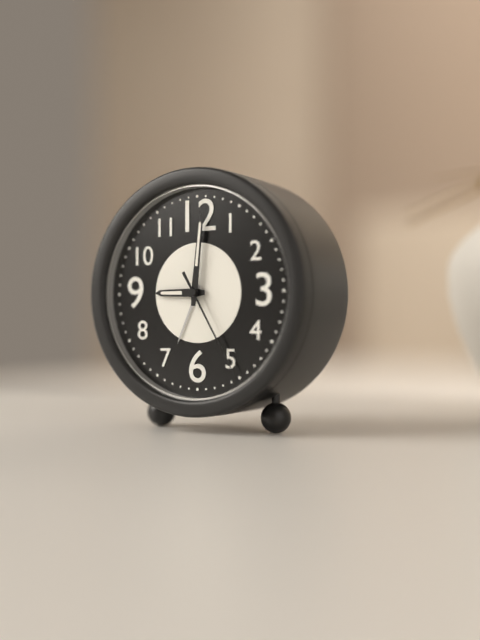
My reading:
9h01m25s
